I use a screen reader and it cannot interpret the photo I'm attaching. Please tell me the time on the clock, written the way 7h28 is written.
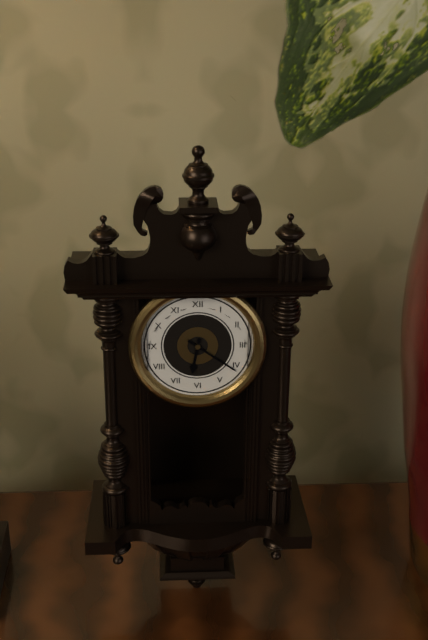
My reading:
6h21
